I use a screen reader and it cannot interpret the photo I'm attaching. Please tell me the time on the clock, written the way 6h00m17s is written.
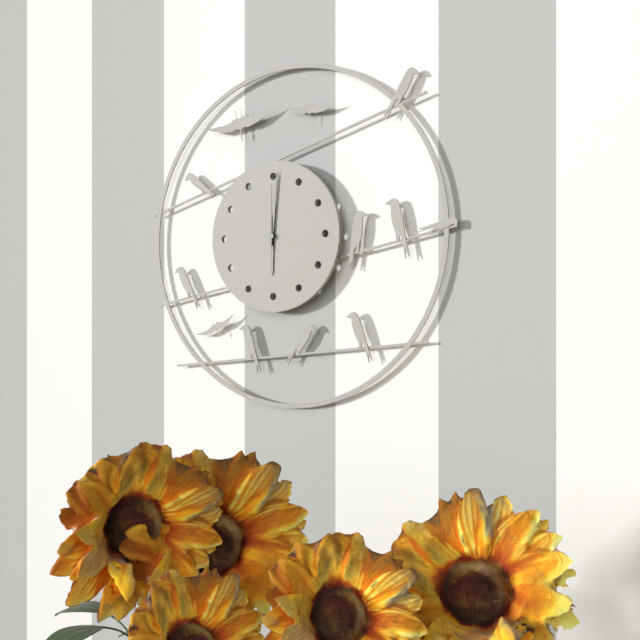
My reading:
6h01m00s
